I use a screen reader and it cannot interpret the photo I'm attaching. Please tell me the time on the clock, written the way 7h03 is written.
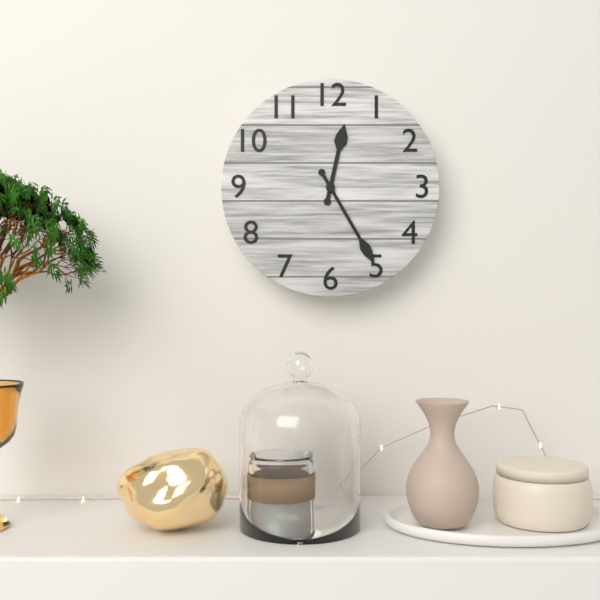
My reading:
12h25
